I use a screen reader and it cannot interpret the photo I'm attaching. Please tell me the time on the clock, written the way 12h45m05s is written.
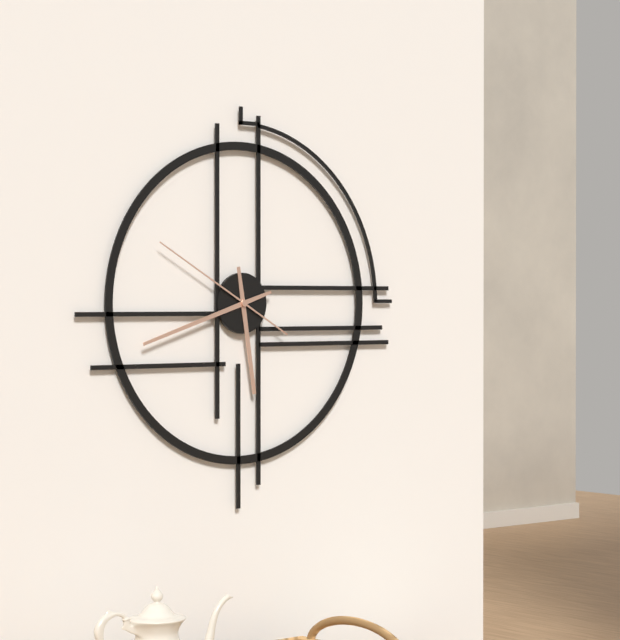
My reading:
5h42m50s
